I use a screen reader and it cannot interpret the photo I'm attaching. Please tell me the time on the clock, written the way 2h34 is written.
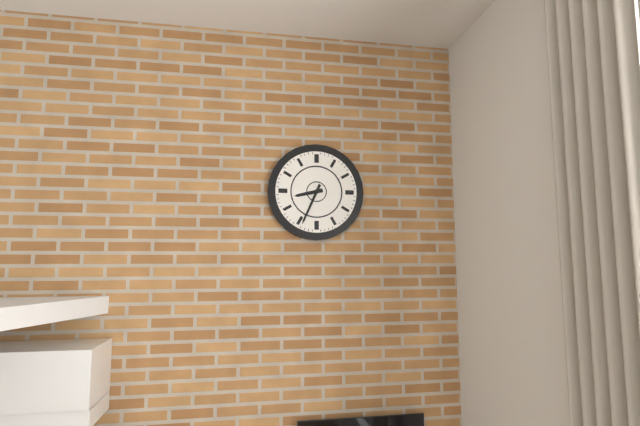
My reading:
8h34
